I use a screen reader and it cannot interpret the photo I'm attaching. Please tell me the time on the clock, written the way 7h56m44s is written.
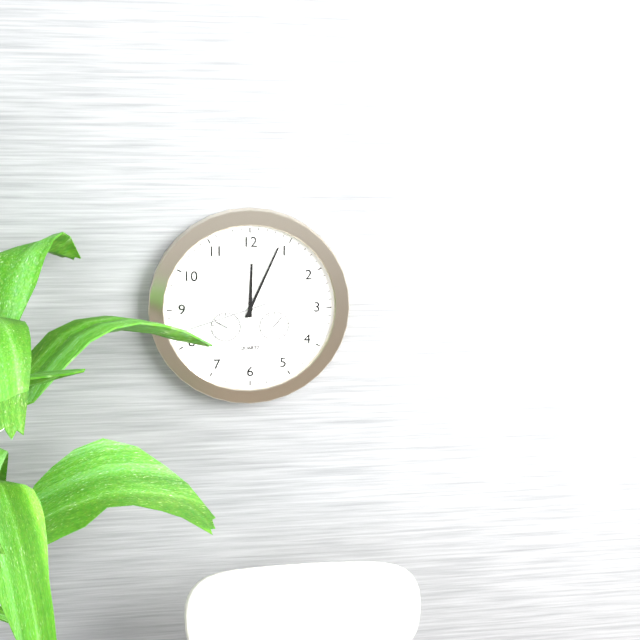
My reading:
12h04m42s
